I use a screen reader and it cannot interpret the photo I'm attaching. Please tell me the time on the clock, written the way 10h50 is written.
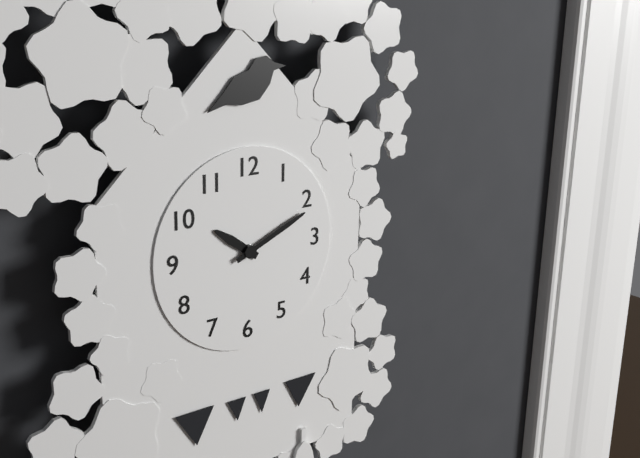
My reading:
10h11
